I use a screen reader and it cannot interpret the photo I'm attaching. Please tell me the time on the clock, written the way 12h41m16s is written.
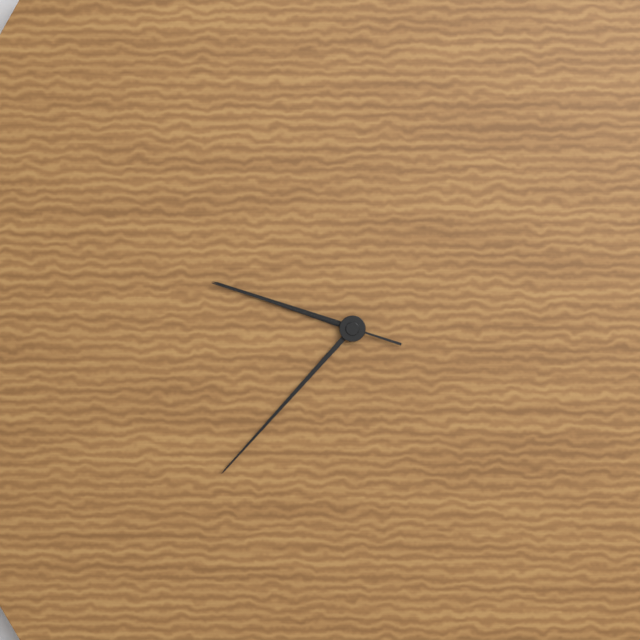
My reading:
9h37m48s
